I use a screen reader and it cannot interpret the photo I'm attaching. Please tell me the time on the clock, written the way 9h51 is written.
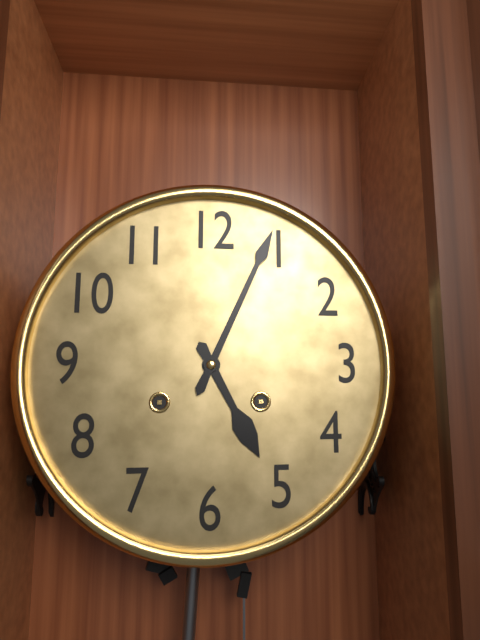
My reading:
5h04
